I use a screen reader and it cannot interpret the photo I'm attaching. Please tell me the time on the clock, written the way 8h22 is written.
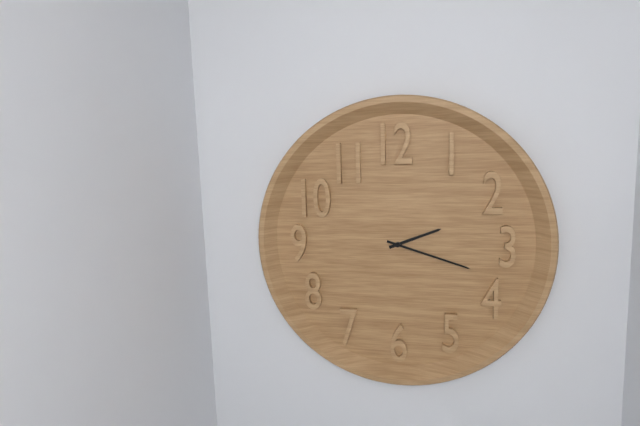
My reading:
2h18
